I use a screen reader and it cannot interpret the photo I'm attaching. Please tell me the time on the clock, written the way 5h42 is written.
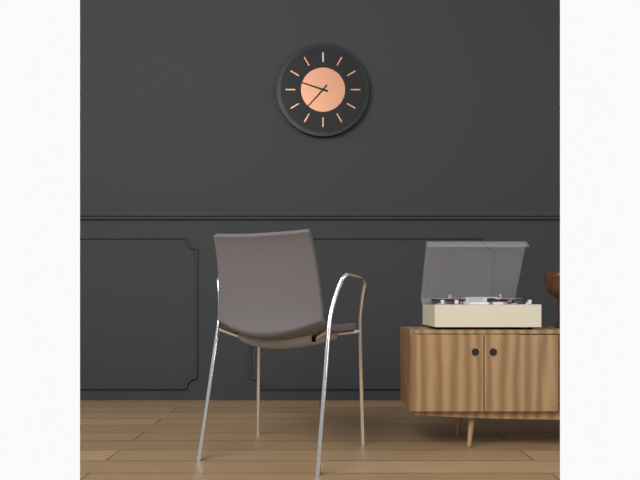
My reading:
9h37
